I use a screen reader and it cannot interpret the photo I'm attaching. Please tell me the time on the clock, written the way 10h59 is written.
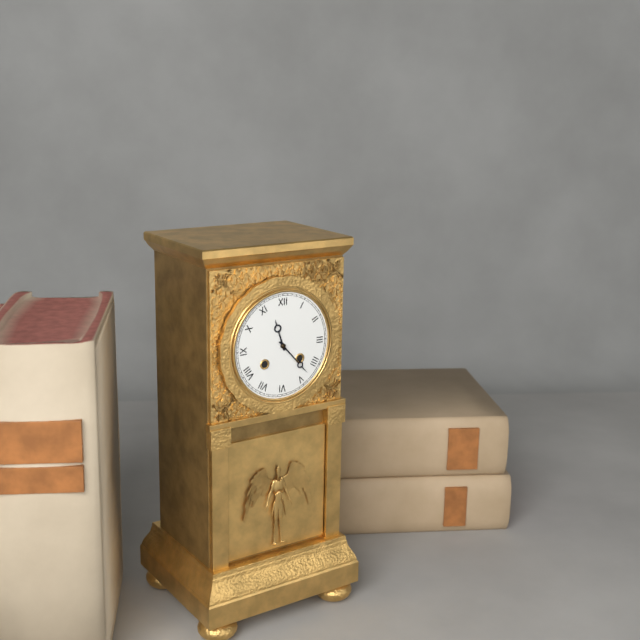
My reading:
11h23
